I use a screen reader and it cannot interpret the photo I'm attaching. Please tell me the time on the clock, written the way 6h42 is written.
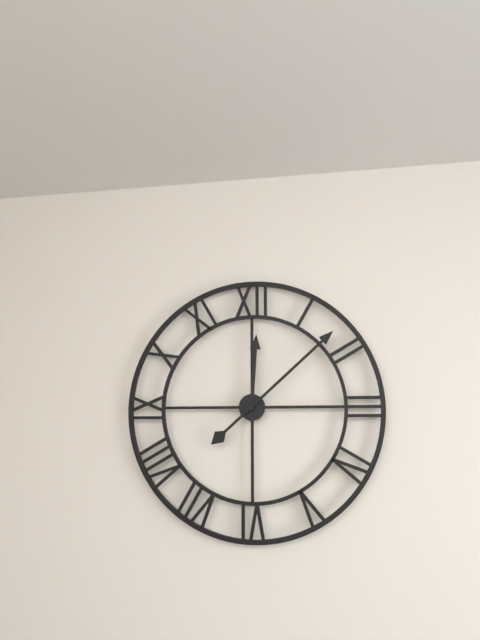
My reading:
12h08
